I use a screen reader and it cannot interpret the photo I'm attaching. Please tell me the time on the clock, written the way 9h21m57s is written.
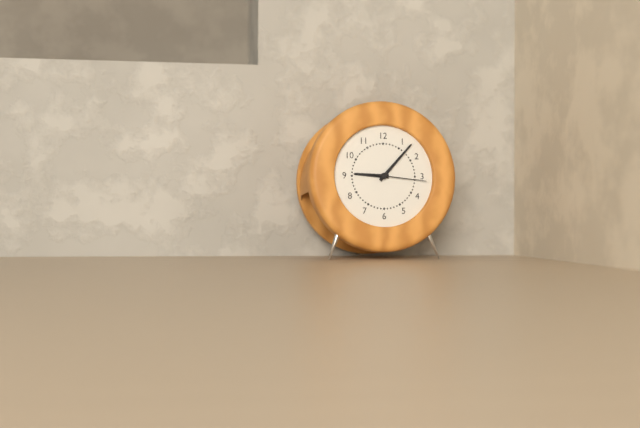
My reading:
9h07m16s
